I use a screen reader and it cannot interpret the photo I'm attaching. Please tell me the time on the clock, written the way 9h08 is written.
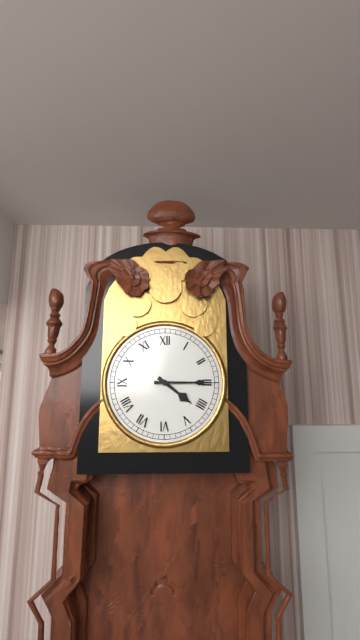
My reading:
4h15
